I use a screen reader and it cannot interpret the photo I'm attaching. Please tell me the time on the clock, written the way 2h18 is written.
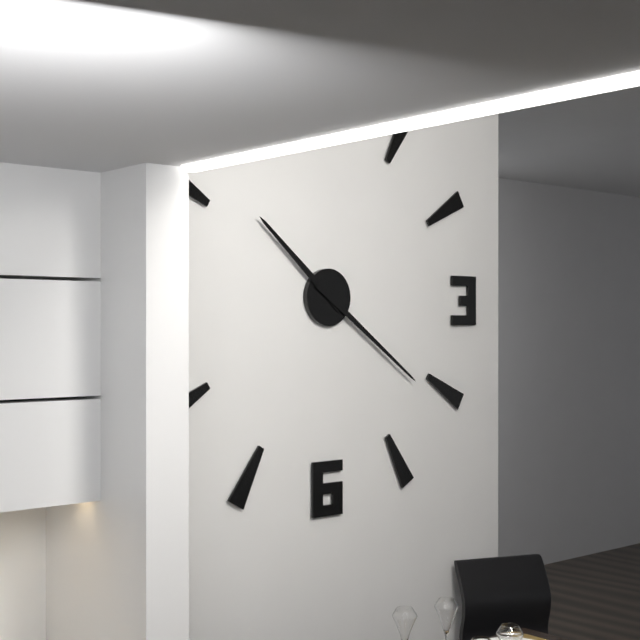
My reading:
10h21
